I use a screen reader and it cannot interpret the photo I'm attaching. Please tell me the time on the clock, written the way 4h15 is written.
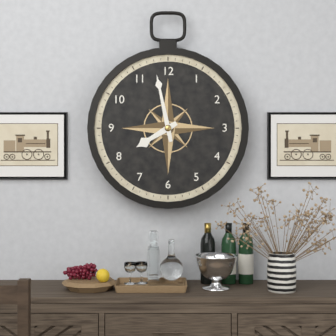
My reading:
7h58
